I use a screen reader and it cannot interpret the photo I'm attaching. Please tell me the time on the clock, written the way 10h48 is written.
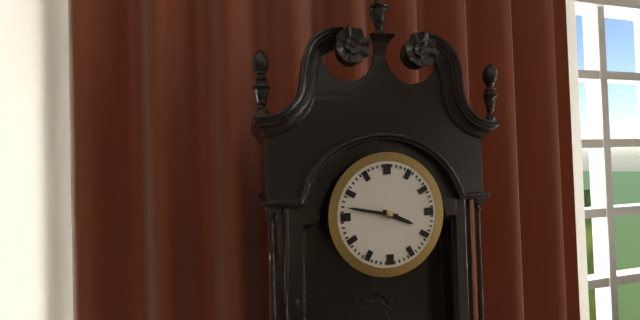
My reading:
3h47
